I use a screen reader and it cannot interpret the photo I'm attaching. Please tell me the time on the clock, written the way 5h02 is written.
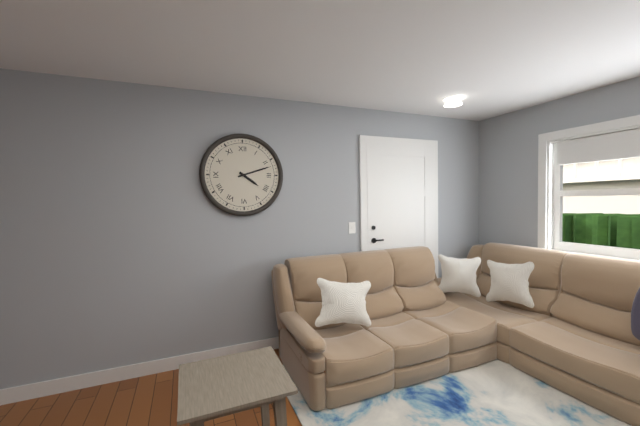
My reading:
4h12
